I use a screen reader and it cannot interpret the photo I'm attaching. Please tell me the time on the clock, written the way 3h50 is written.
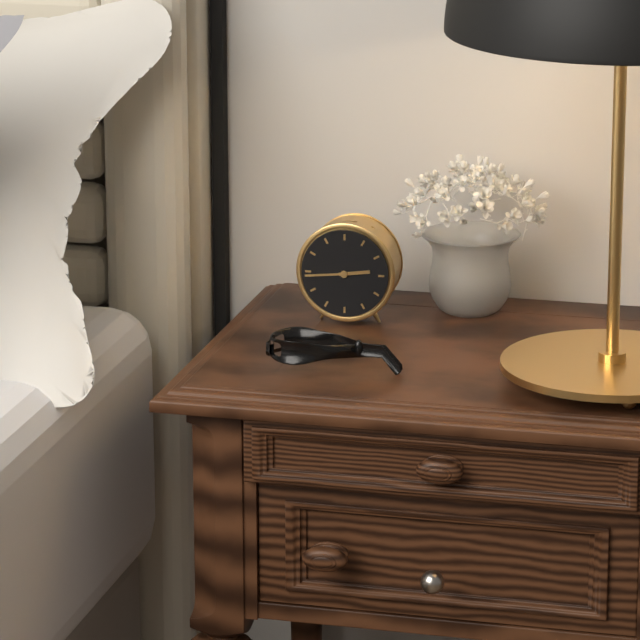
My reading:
2h44
